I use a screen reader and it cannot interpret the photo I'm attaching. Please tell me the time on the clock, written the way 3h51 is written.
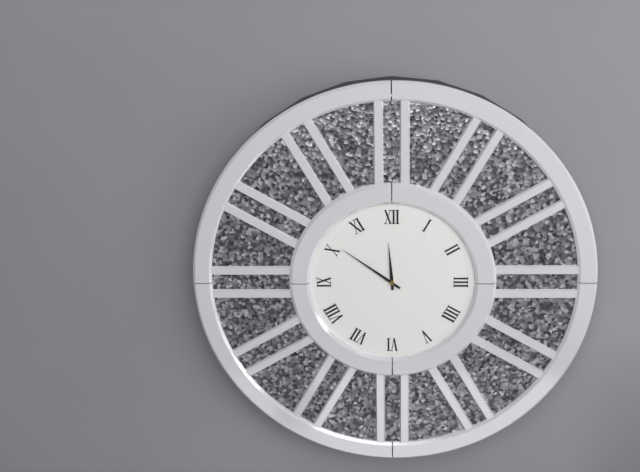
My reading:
11h51
